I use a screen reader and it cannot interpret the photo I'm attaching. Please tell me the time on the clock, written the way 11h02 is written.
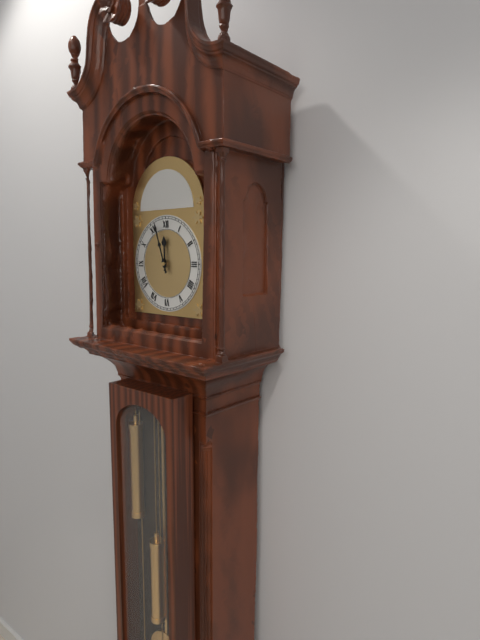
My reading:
11h57
